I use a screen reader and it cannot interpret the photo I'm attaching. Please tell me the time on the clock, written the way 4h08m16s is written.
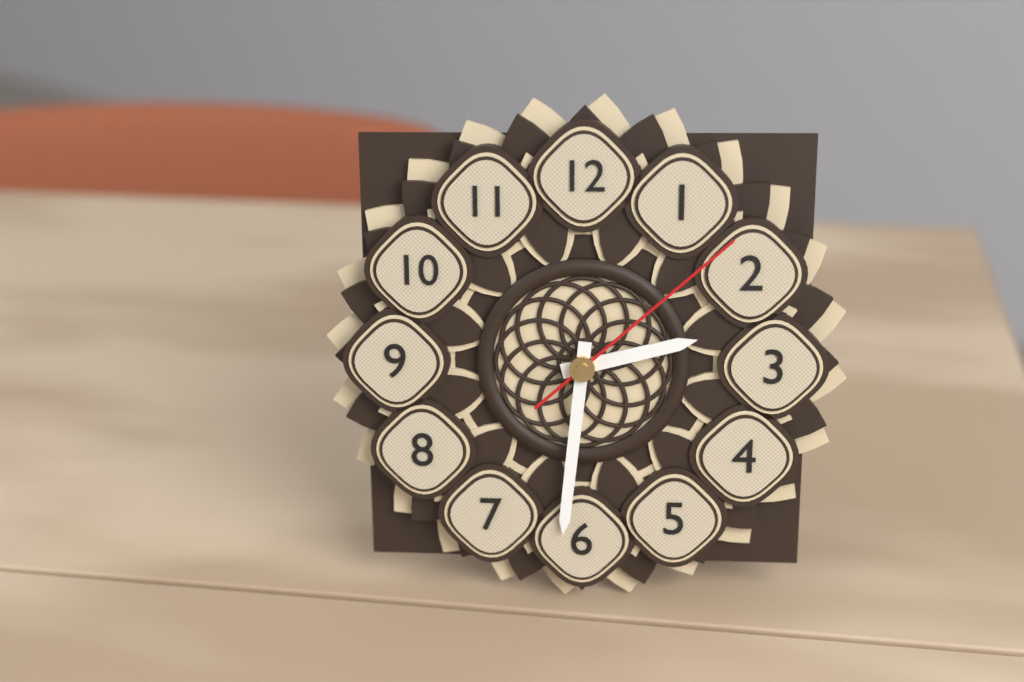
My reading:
2h31m08s
